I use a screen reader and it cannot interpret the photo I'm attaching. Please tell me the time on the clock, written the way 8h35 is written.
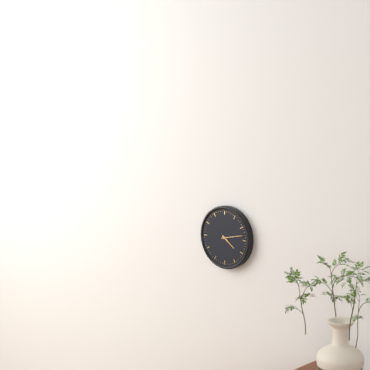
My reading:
4h13
